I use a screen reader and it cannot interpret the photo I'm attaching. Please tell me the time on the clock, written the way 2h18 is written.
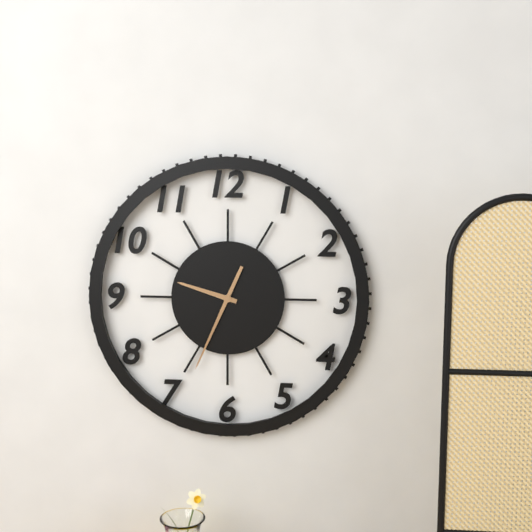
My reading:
9h34
